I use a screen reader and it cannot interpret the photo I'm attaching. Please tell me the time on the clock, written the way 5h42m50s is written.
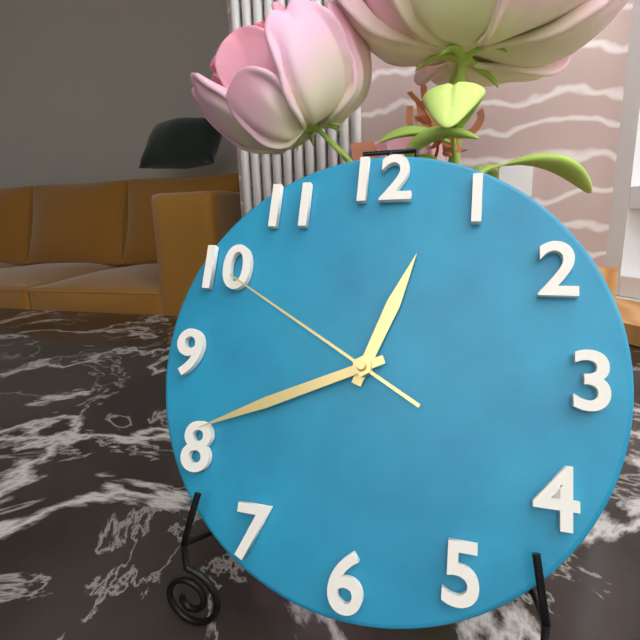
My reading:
12h41m50s
